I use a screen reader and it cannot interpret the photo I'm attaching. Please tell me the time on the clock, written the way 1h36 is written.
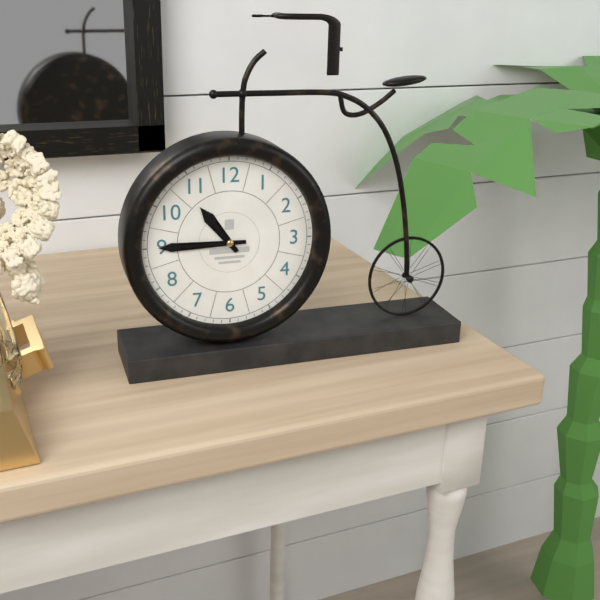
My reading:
10h45
